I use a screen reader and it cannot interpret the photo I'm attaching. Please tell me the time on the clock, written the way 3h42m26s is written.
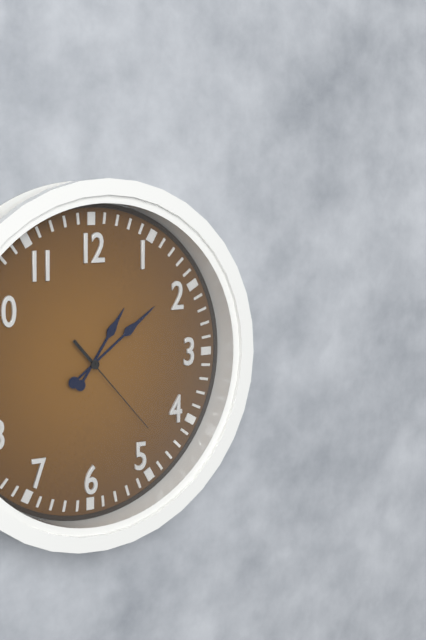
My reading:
1h09m23s
